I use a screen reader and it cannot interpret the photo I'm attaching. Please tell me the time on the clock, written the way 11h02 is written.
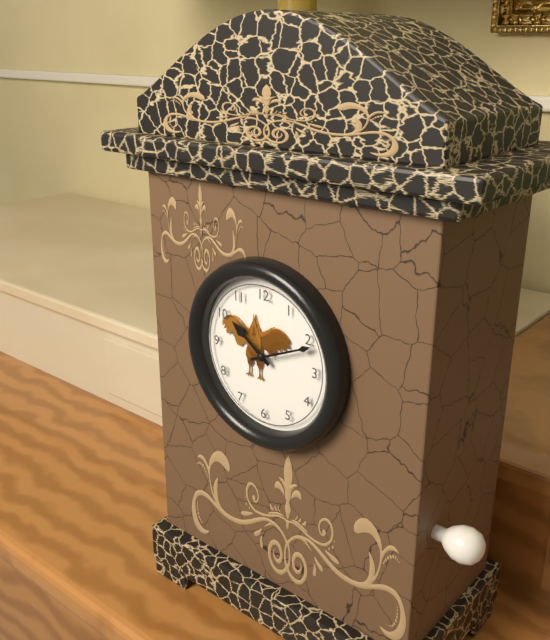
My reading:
10h11
